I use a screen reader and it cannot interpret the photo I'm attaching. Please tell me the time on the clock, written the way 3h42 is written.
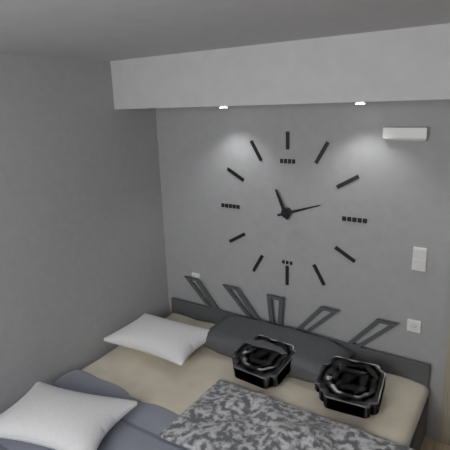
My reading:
11h12
